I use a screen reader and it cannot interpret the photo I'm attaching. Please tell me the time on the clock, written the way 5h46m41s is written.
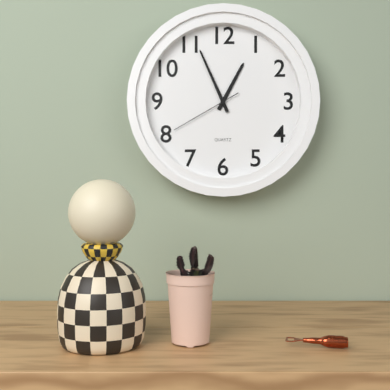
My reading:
12h56m40s
